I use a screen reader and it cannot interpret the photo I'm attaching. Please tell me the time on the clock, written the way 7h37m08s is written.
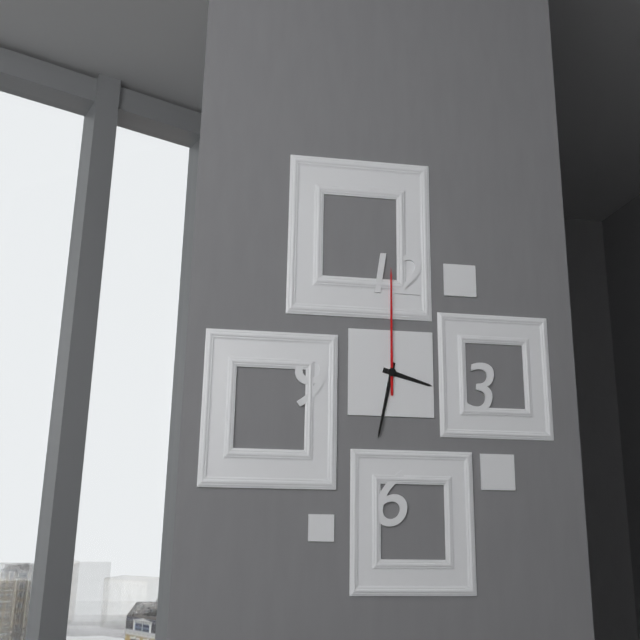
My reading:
3h32m00s
